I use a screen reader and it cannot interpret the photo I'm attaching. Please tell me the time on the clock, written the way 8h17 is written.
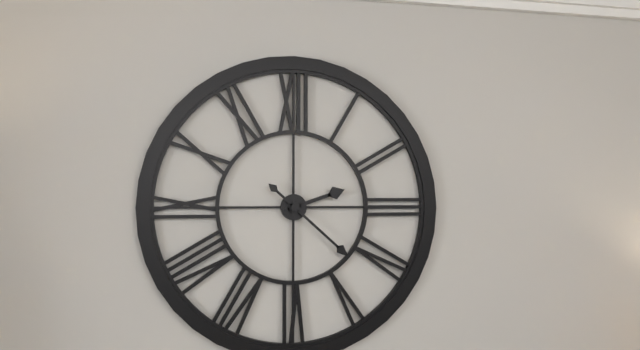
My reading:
2h22
